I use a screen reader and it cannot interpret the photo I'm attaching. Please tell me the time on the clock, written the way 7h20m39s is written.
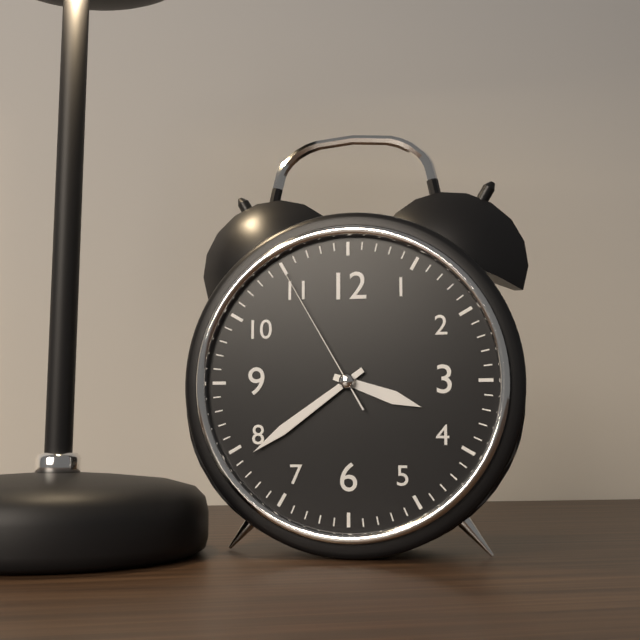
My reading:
3h39m55s
